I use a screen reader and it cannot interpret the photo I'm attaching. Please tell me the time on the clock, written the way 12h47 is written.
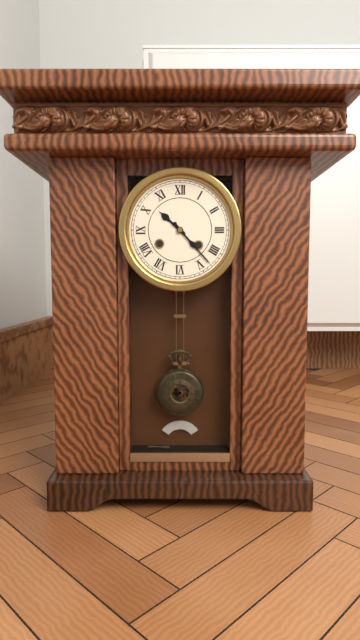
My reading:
10h23
